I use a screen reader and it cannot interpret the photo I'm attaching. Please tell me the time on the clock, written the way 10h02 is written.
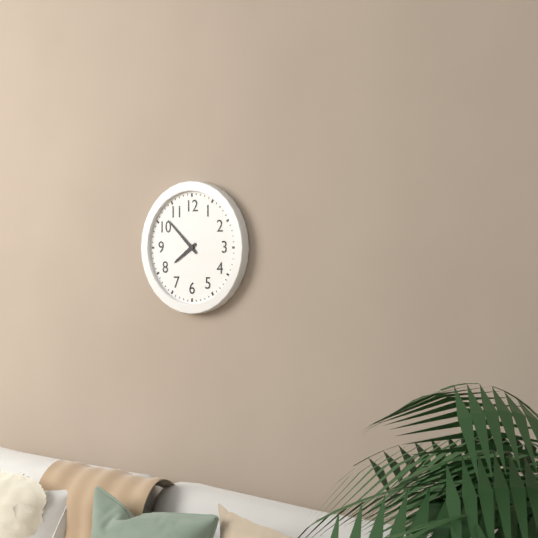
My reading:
7h52
